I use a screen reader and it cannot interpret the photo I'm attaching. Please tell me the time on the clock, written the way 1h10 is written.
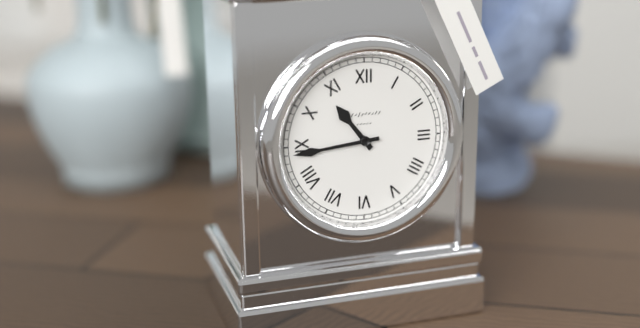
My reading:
10h44
